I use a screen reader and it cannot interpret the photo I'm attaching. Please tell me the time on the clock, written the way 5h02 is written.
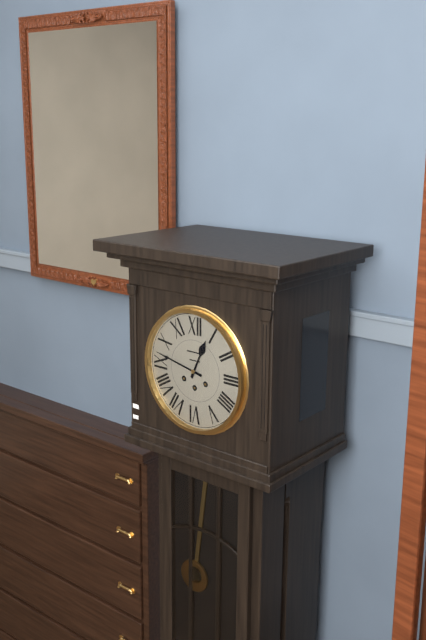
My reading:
12h47
